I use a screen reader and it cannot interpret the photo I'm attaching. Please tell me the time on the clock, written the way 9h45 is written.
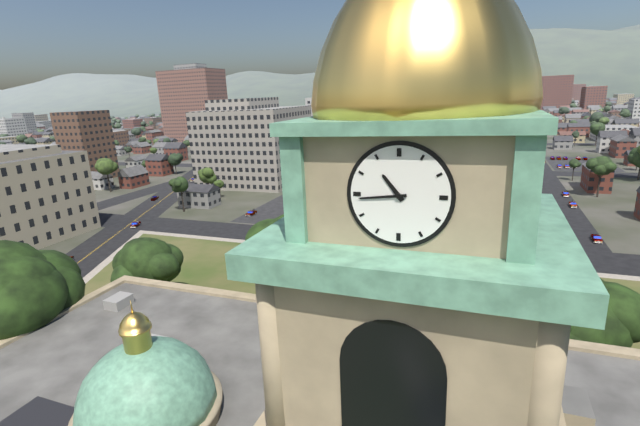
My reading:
10h44
